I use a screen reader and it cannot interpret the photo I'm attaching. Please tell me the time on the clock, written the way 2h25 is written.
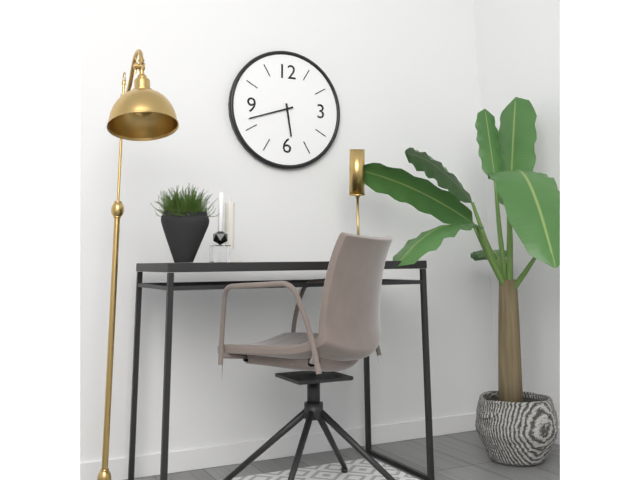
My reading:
5h42
